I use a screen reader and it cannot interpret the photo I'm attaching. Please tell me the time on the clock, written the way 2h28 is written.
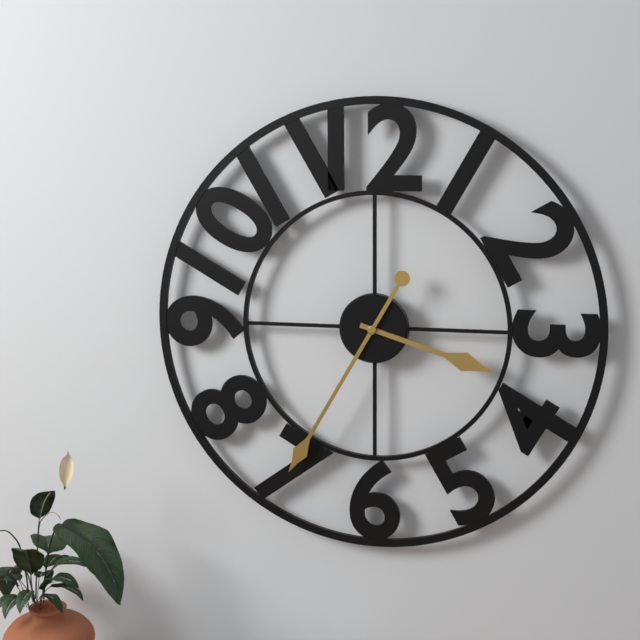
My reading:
3h35
